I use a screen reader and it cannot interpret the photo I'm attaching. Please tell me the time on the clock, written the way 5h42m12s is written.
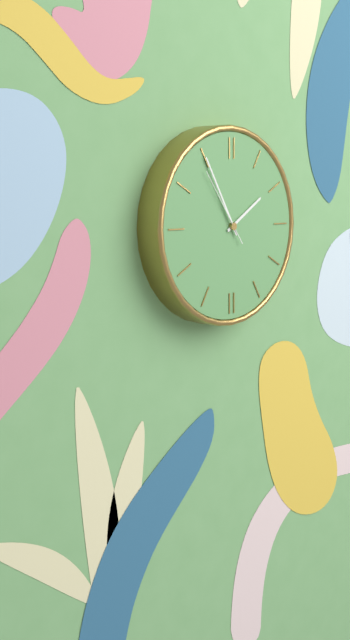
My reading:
1h55m54s
